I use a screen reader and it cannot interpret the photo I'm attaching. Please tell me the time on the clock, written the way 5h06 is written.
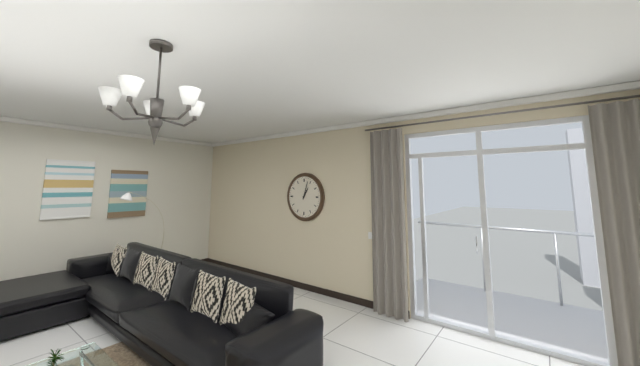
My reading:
1h03
